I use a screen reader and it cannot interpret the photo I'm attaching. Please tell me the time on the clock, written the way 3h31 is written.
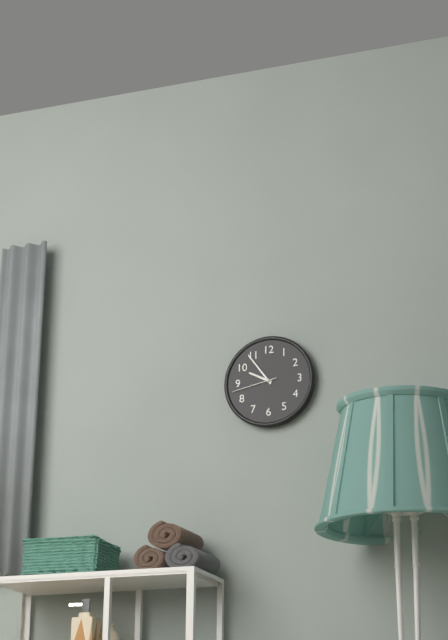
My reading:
9h54
